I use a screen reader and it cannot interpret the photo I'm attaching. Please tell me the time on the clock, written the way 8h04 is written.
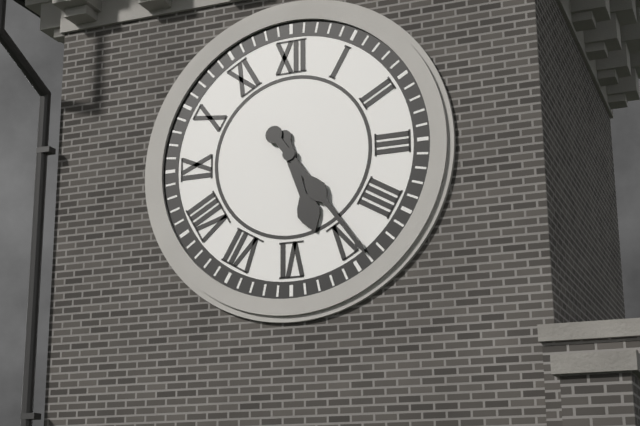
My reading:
5h24
